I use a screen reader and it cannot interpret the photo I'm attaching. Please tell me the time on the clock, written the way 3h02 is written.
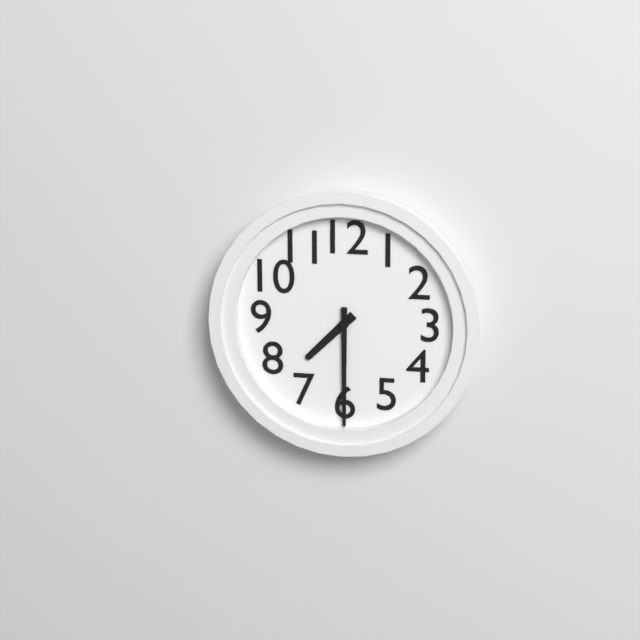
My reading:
7h30
